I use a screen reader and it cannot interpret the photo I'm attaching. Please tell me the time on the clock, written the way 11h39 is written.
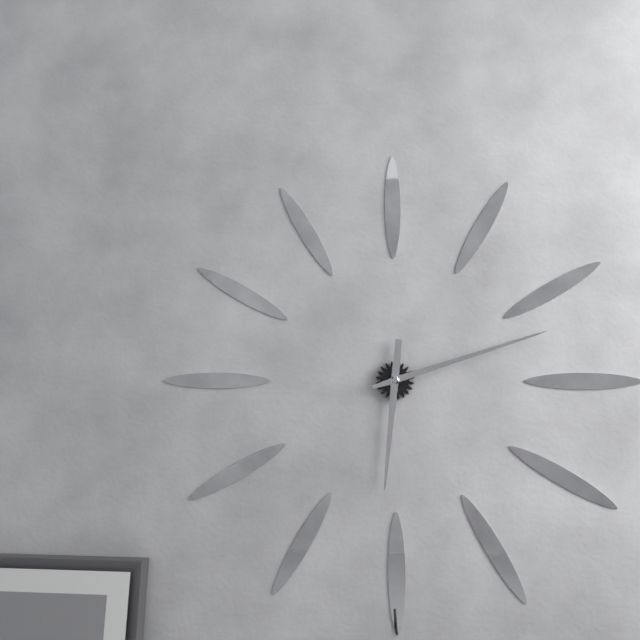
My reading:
6h12
